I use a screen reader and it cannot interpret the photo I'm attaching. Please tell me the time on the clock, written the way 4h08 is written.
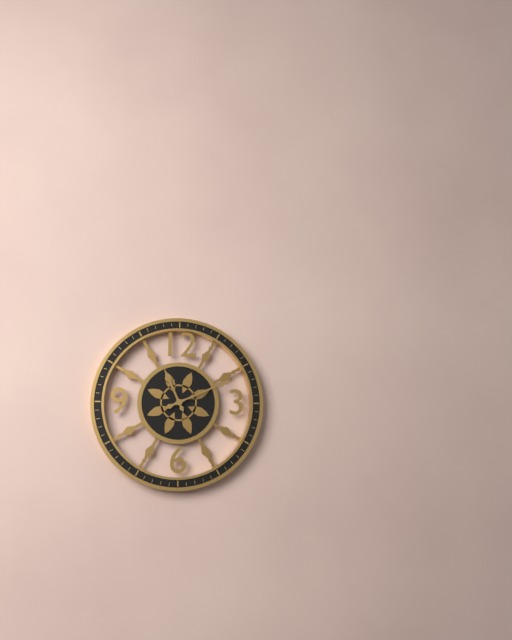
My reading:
11h11
